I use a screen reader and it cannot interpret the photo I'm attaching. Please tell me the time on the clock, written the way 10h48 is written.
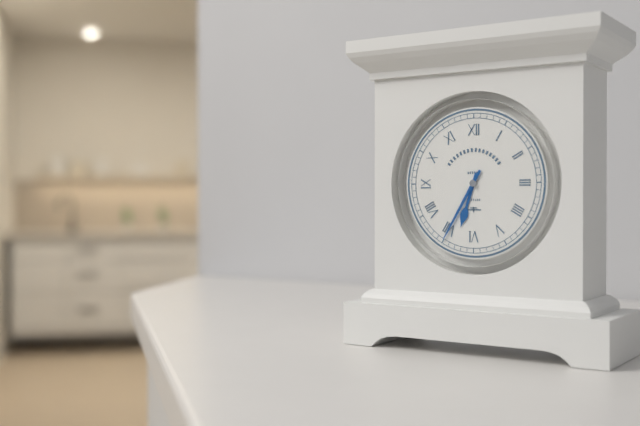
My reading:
6h35
